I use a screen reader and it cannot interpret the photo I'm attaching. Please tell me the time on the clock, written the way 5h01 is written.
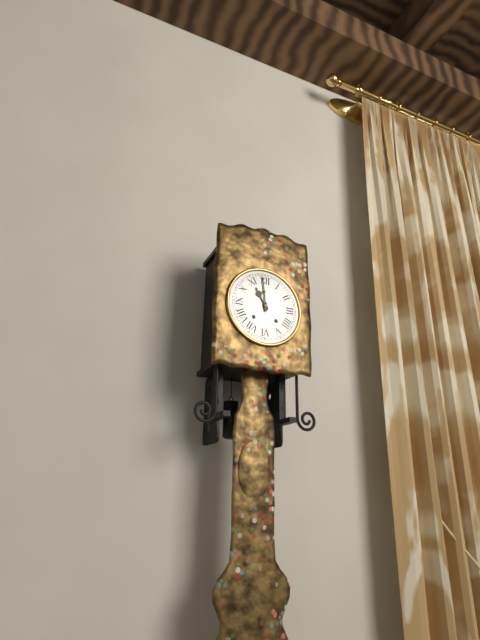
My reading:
10h59
